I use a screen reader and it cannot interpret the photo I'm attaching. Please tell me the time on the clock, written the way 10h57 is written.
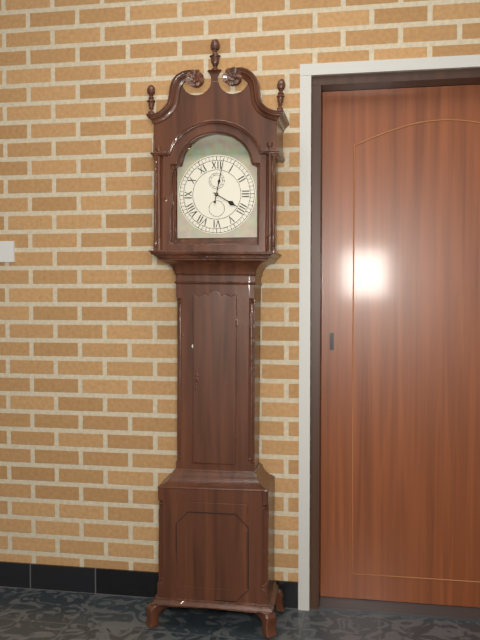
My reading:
4h02
